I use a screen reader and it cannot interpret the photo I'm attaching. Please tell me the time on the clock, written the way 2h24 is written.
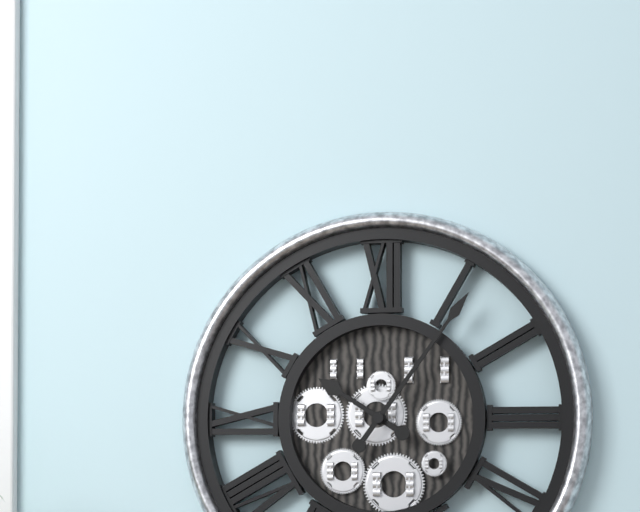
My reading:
10h06
